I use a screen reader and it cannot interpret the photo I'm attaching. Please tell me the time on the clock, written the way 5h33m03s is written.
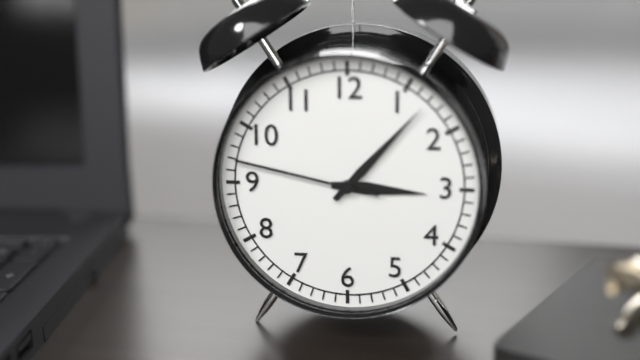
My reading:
3h07m47s
